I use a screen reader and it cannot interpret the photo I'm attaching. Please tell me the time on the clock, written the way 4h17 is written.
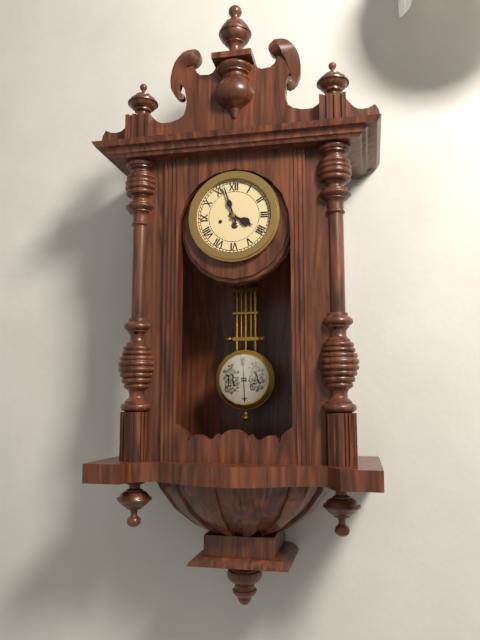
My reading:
3h57
